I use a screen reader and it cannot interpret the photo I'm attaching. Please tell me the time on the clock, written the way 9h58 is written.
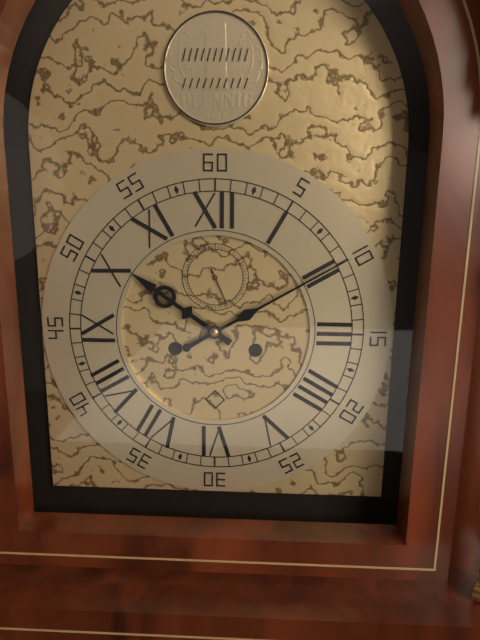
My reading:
10h10
